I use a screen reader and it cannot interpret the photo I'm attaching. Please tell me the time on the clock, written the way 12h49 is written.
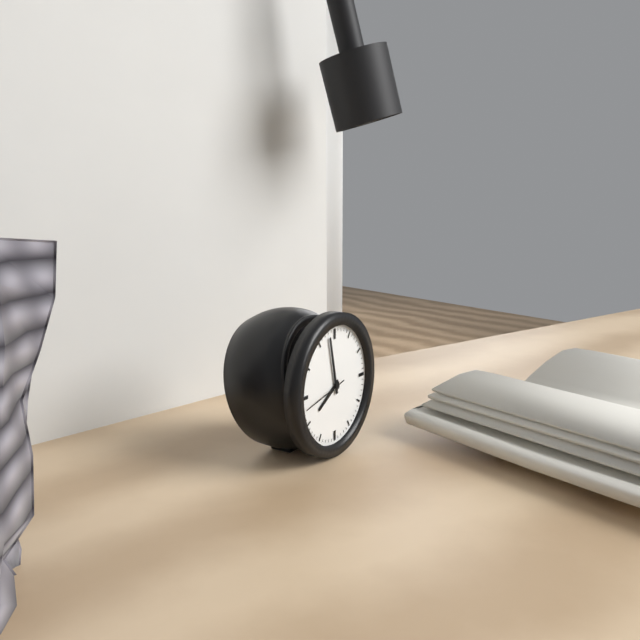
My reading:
7h58
